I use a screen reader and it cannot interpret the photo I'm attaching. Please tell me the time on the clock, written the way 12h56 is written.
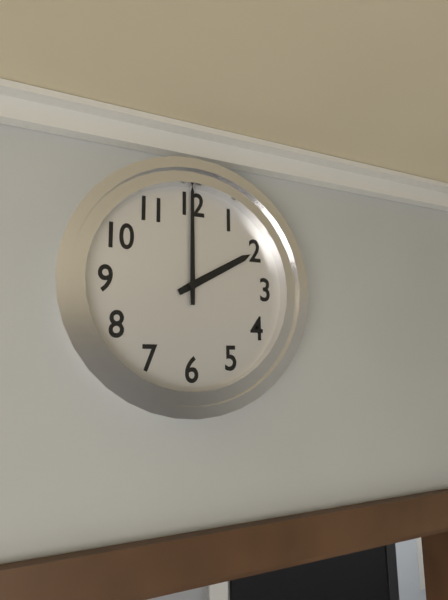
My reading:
2h00
